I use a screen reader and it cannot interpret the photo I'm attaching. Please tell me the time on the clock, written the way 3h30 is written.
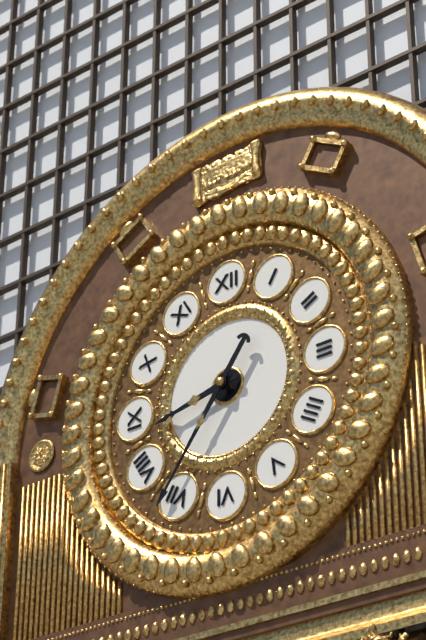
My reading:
8h36
